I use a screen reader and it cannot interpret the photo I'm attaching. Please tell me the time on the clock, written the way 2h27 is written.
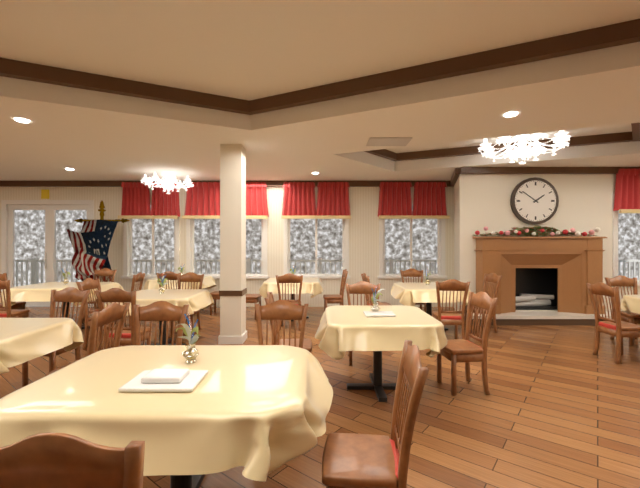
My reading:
1h51
